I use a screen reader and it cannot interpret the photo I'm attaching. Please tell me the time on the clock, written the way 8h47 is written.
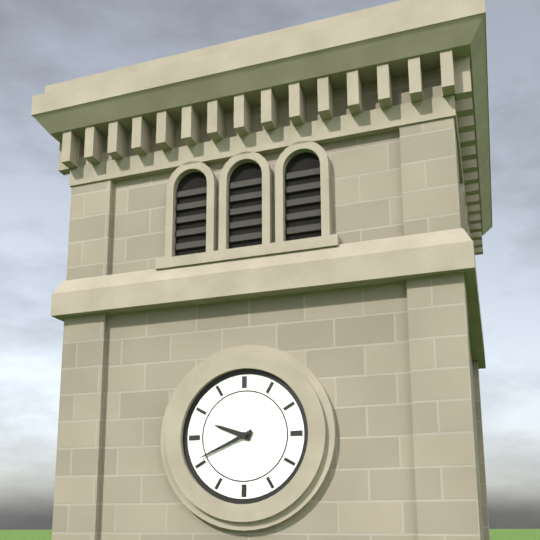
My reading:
9h41
